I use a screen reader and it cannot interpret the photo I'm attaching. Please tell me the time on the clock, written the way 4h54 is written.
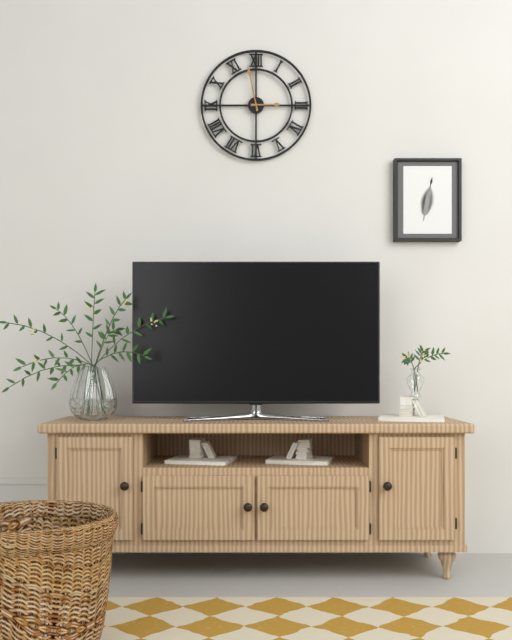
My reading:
2h58
